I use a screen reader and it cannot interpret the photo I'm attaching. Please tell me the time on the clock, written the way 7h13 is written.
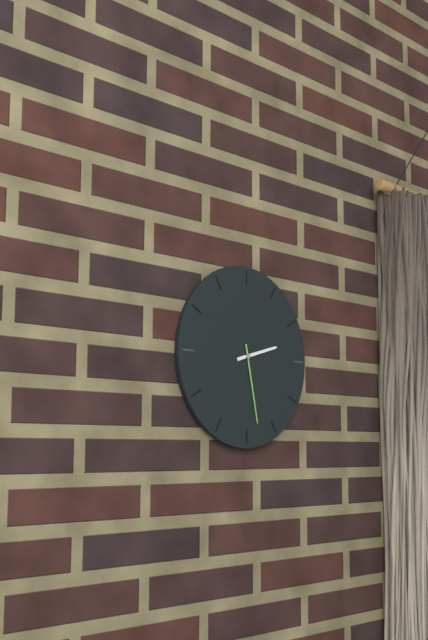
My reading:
2h28
